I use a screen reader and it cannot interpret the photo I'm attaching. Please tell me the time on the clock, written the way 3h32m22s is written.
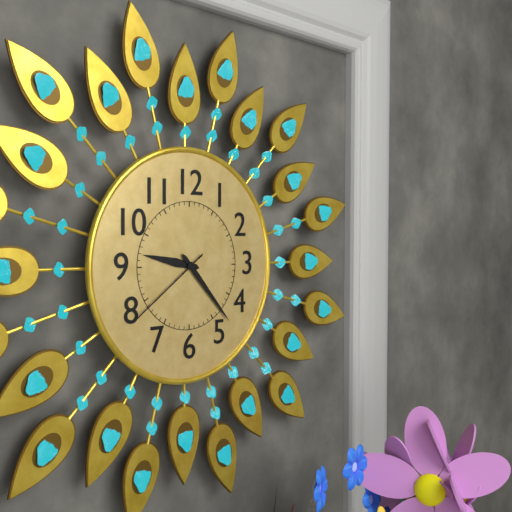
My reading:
9h23m39s
